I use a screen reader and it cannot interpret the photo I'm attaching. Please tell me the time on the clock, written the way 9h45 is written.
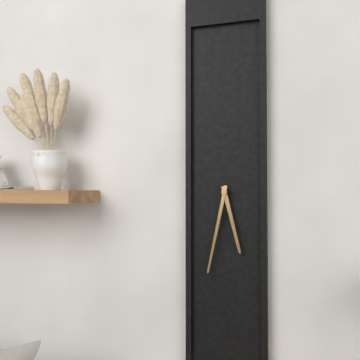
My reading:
5h32
